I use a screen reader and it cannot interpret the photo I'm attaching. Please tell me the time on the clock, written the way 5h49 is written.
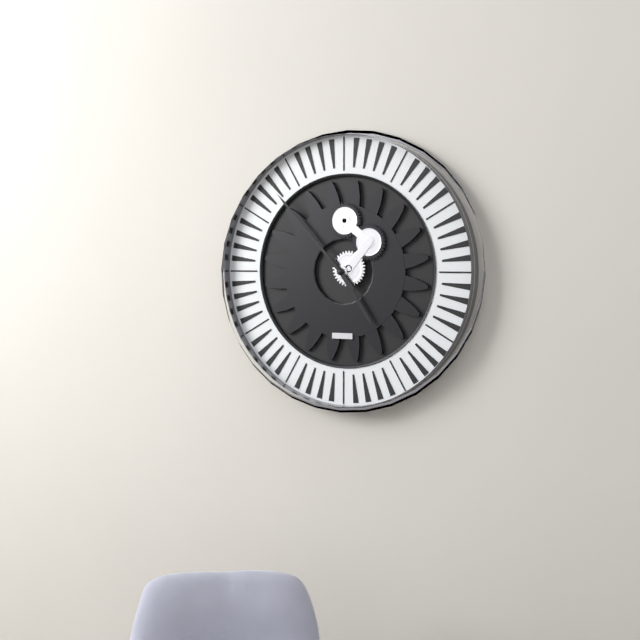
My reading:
4h53
